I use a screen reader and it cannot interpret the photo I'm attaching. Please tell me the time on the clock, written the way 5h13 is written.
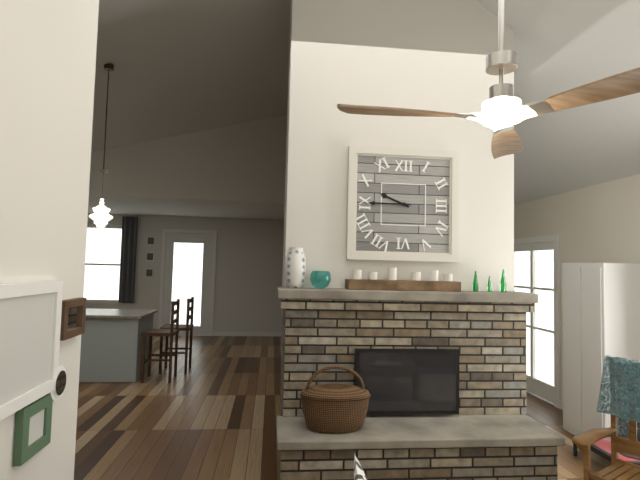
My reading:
9h45
